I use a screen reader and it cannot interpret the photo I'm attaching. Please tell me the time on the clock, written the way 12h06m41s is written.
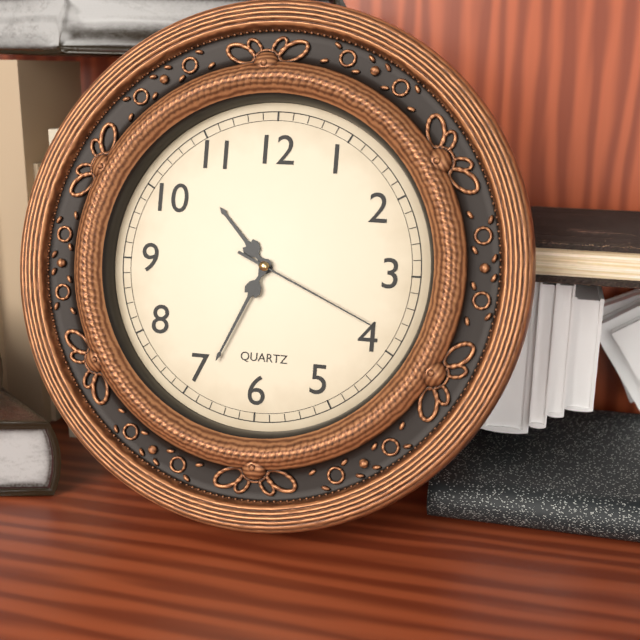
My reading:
10h34m19s
